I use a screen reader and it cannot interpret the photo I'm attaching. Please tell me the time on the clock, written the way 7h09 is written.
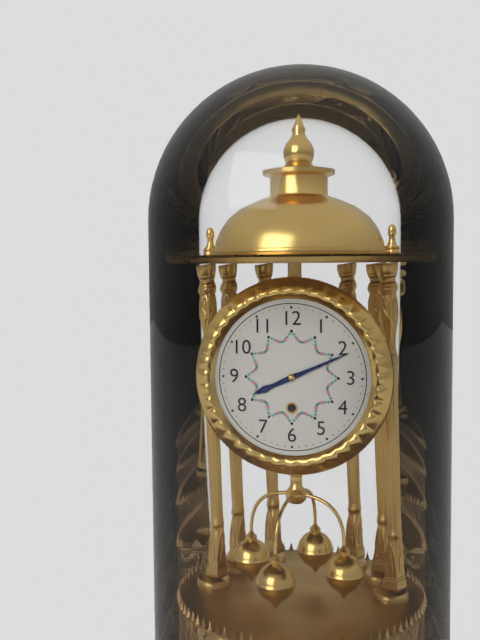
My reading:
8h11
